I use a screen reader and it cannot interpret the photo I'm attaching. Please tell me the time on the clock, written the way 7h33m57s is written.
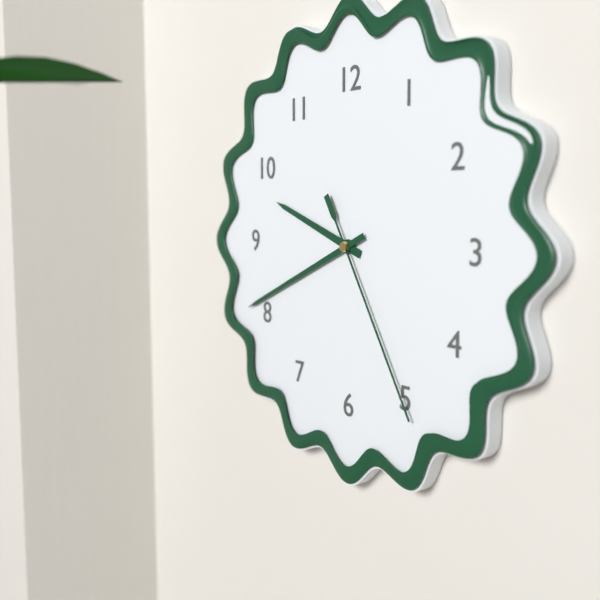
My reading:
9h41m25s
